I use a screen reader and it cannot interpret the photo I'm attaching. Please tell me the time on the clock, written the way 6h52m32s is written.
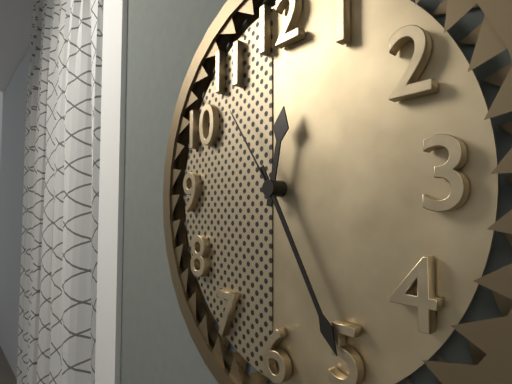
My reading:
12h25m54s
